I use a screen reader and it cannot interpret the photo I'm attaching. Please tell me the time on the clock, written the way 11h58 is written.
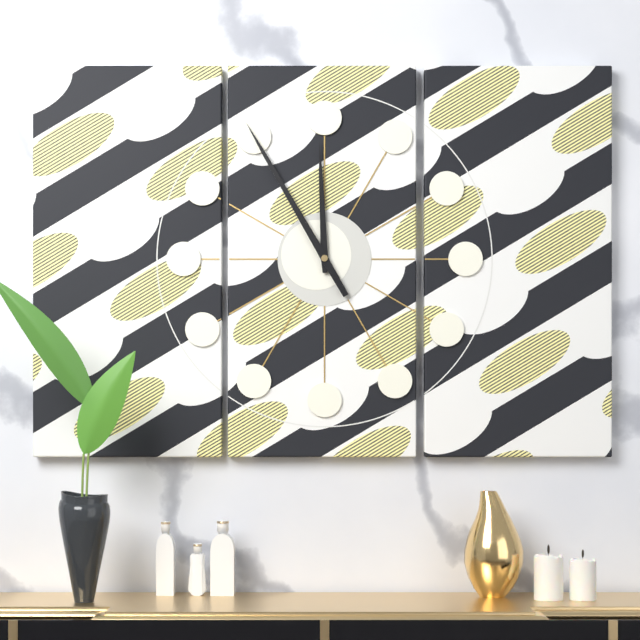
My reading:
11h55
